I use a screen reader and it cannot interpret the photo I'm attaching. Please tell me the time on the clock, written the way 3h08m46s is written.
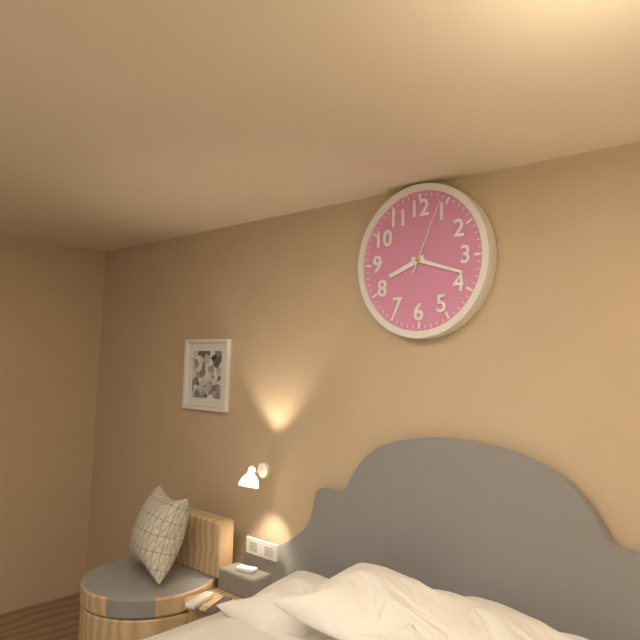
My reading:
8h18m04s
